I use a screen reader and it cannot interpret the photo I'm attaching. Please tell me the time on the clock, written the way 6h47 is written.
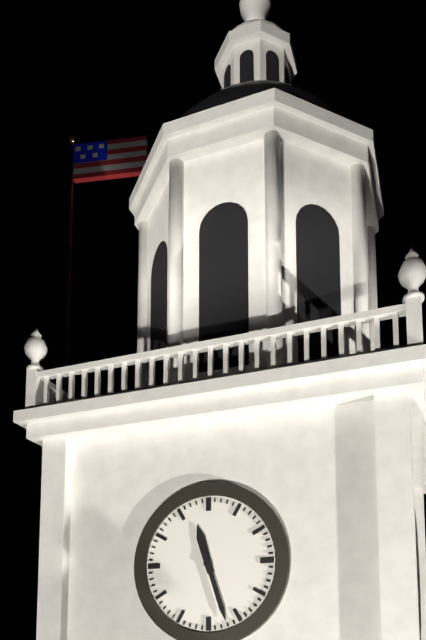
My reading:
11h27
